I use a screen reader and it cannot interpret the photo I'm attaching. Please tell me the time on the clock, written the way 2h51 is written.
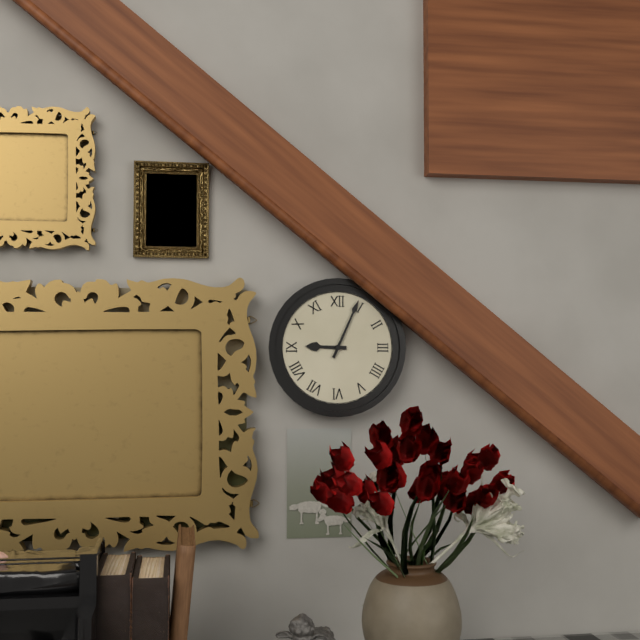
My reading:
9h04
